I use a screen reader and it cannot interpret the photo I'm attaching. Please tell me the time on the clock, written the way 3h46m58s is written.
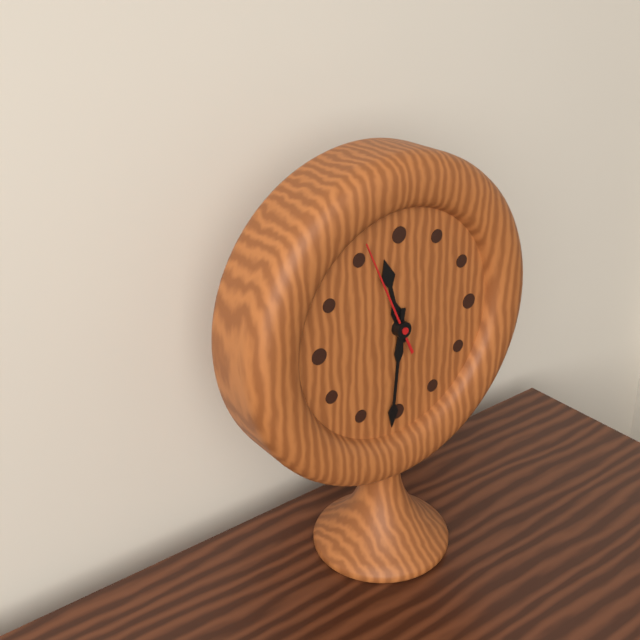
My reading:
11h31m56s
